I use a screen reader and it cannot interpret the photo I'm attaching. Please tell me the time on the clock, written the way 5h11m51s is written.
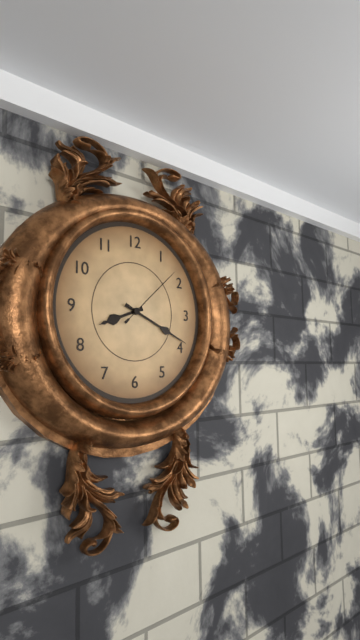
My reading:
8h19m08s
